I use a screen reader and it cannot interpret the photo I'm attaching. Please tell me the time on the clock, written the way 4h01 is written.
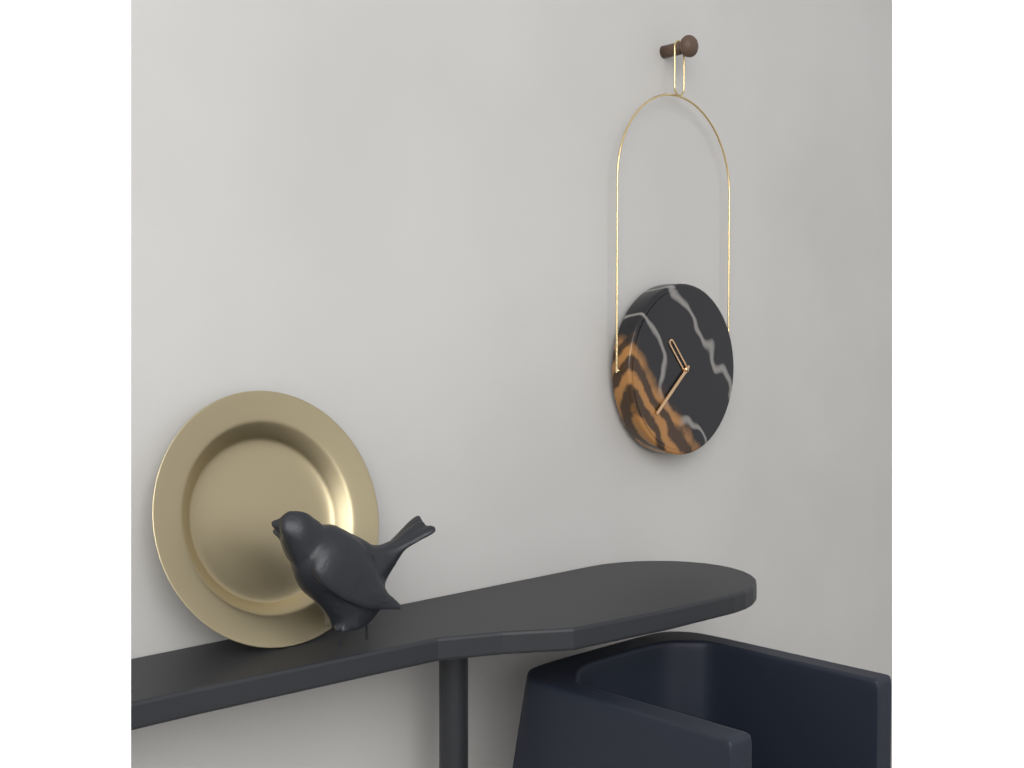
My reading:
10h38
